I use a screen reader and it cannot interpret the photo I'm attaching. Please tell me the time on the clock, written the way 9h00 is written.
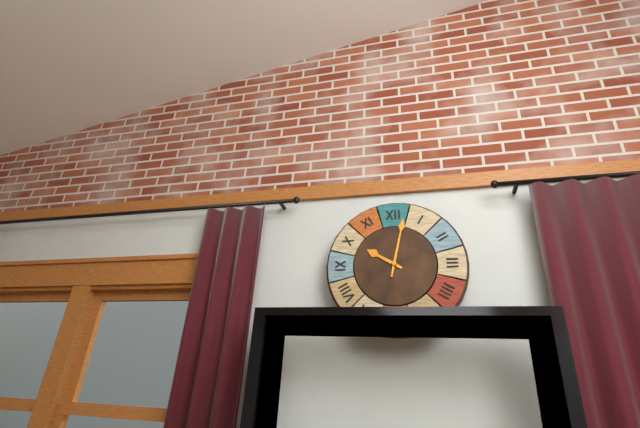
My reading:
10h02
